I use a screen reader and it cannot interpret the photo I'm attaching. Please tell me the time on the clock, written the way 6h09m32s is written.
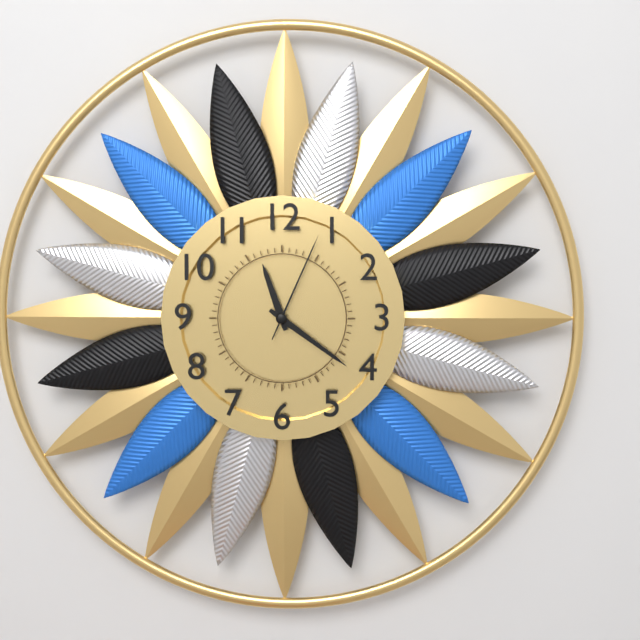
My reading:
11h21m04s
